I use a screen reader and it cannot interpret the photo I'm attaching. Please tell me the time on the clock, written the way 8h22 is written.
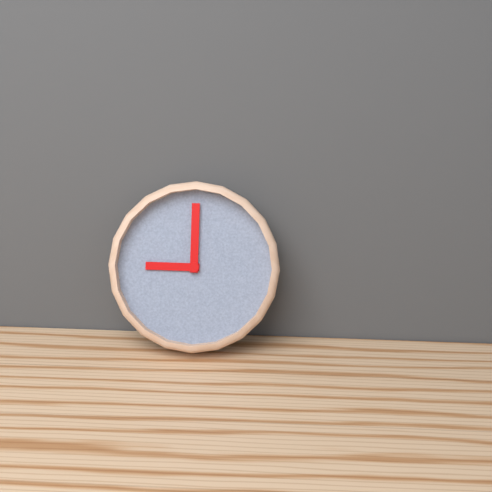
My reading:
9h00
